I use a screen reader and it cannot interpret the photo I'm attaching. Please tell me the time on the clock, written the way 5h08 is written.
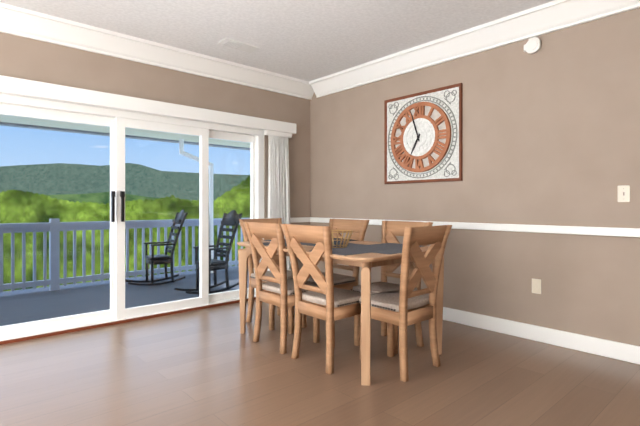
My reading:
6h57
